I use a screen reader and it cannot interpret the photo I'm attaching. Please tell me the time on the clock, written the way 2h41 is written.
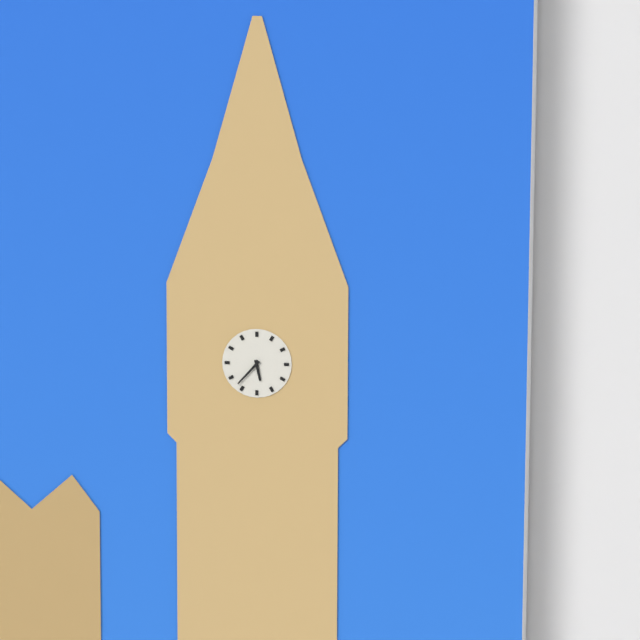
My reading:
5h37
